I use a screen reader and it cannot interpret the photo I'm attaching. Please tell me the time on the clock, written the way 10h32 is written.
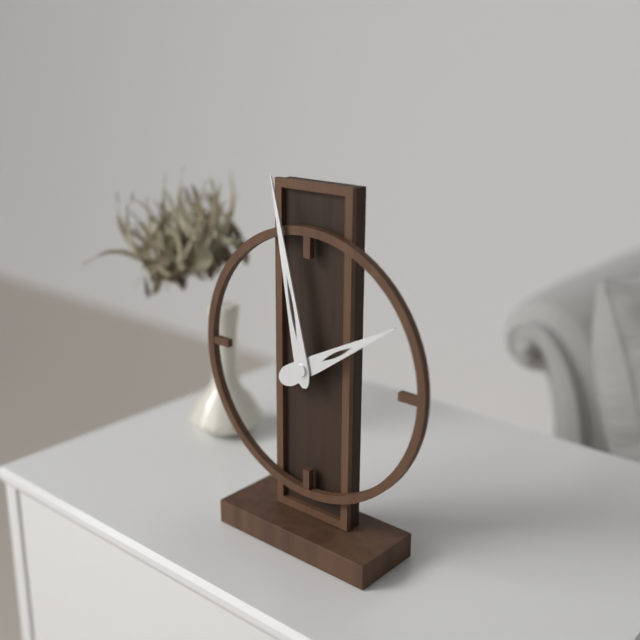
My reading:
1h58
